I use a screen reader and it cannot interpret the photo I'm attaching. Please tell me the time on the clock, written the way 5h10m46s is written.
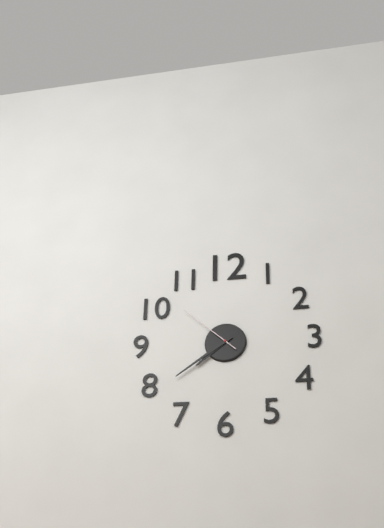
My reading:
7h39m52s
